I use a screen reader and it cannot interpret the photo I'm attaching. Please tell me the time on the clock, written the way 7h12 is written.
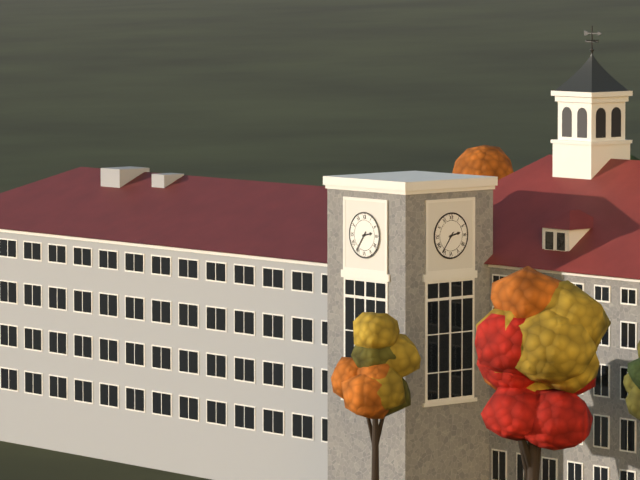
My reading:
2h36
